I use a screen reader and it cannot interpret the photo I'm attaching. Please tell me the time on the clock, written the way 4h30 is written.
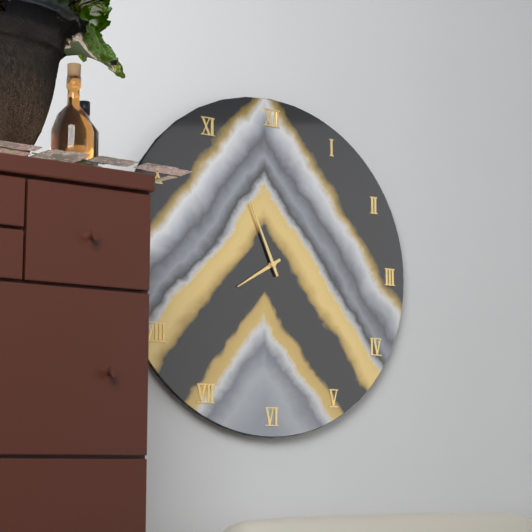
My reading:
7h56
